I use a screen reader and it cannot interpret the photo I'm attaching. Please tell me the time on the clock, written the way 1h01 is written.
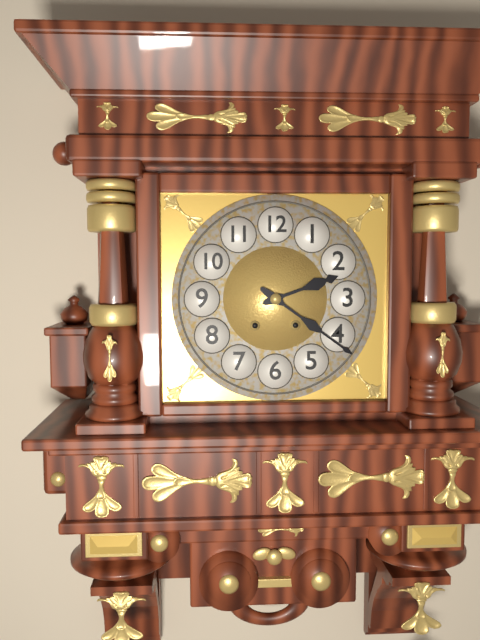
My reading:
2h21
